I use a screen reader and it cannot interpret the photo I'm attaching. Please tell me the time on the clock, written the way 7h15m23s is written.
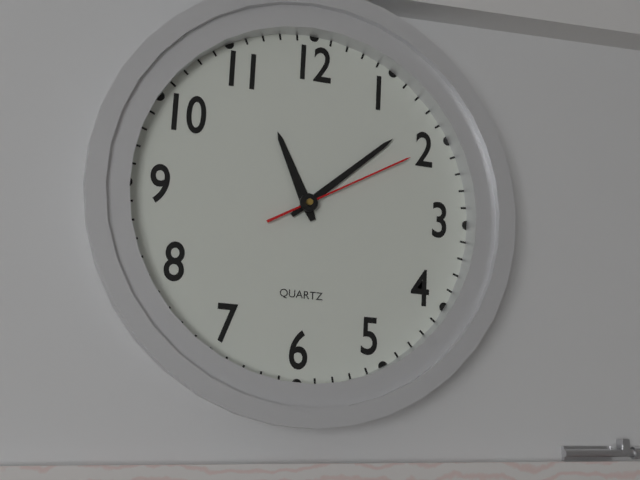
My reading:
11h08m10s
